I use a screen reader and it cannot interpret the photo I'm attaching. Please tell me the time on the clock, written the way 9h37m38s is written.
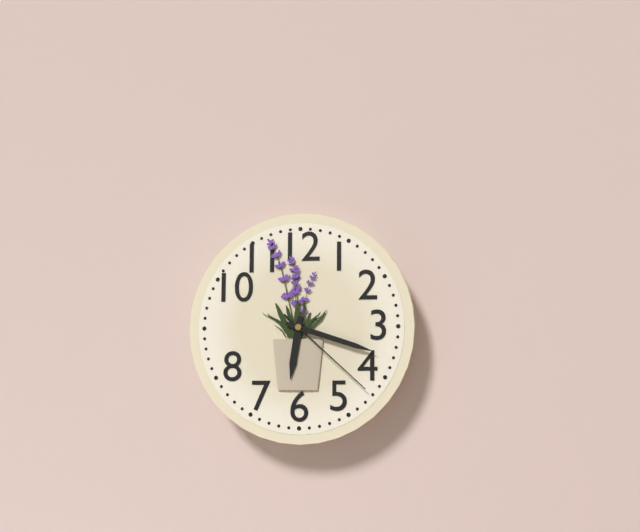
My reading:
6h18m22s
